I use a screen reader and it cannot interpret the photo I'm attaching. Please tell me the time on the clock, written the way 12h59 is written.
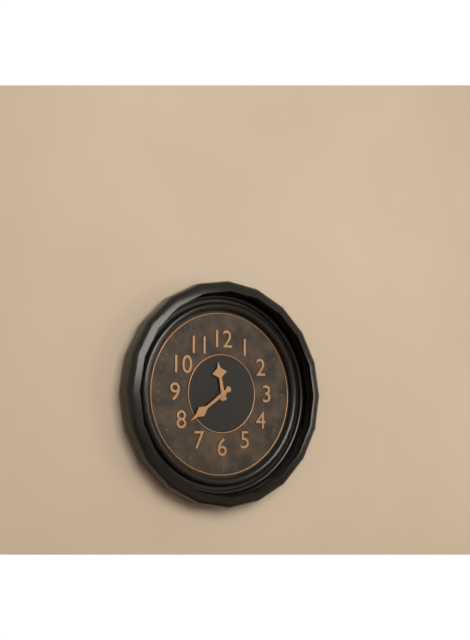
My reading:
11h39
